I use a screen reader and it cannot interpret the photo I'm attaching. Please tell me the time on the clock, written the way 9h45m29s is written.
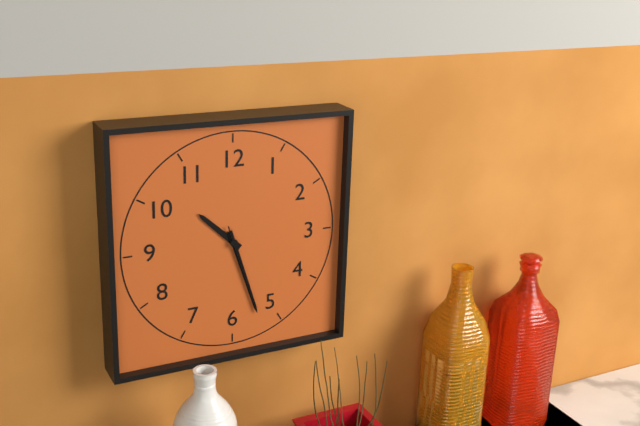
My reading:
10h27m27s
